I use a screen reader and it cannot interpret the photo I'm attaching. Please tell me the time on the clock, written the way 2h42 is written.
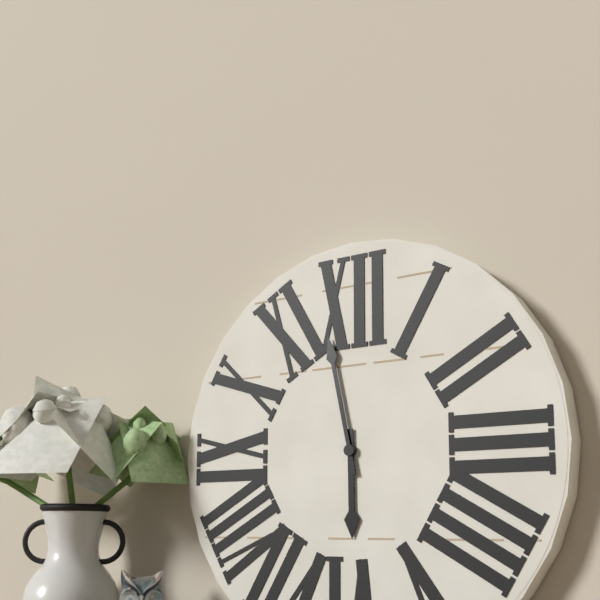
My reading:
5h58
